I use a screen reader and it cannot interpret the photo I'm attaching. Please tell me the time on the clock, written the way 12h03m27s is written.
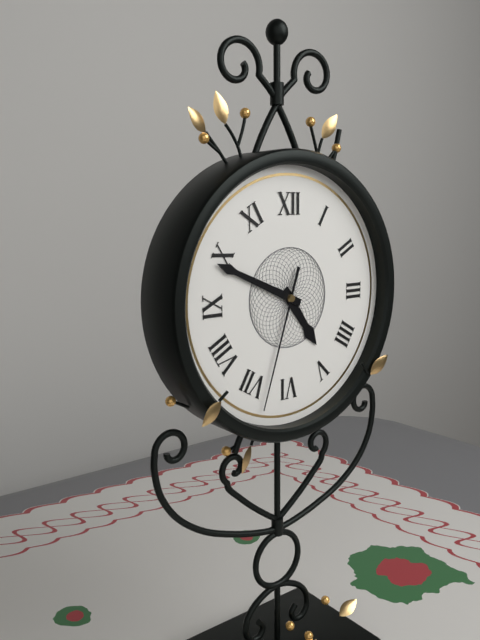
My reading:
4h49m33s
